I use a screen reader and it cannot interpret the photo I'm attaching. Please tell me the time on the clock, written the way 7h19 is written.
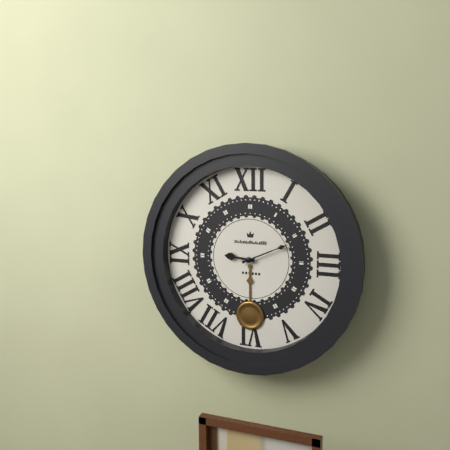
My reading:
9h11
